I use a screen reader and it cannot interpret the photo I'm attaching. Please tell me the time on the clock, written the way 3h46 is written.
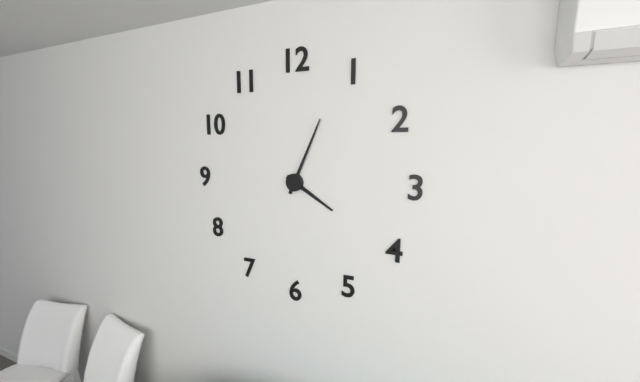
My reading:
4h04
